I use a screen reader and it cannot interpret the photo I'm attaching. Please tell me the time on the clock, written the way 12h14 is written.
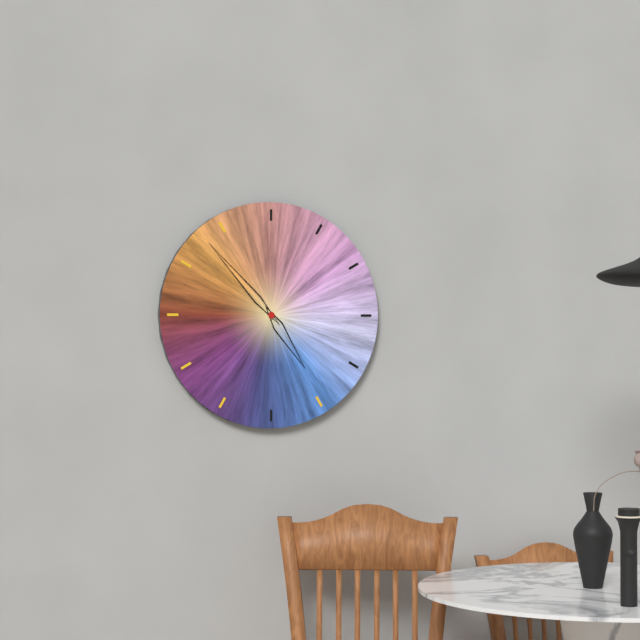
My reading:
4h53
